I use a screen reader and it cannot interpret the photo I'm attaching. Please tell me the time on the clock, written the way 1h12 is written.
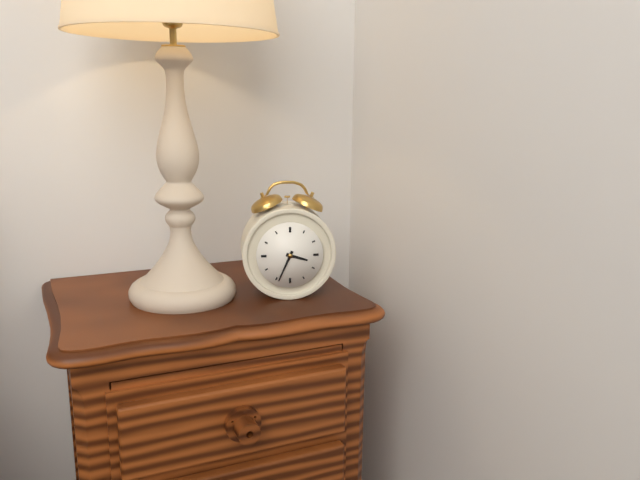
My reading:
3h34
